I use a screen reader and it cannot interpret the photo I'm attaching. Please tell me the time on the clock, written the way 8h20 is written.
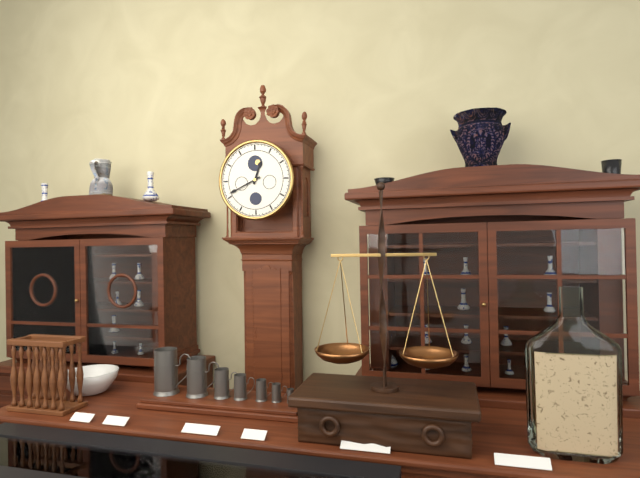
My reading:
12h41
